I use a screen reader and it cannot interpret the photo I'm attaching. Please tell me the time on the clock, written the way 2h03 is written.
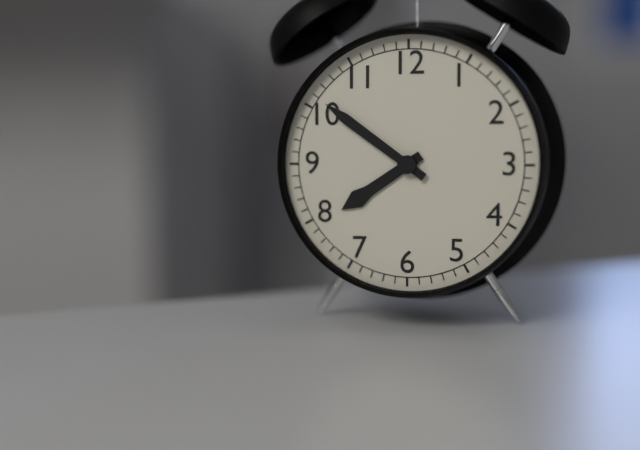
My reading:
7h51
